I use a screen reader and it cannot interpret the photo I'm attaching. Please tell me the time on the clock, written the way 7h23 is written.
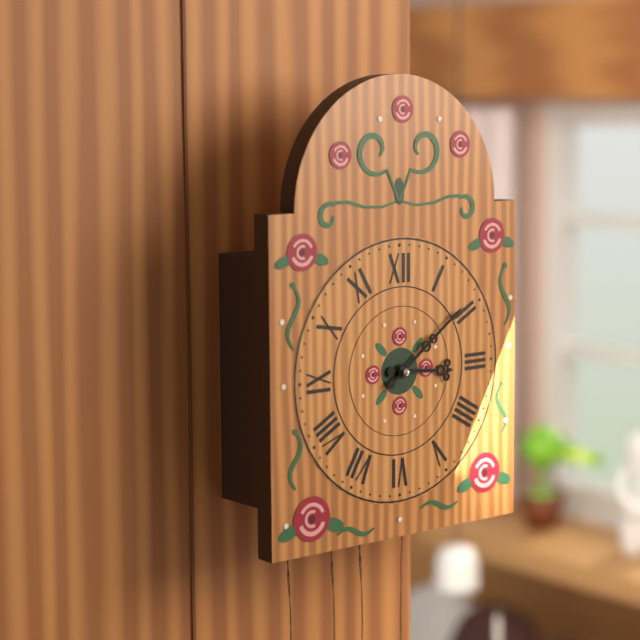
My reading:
3h09
